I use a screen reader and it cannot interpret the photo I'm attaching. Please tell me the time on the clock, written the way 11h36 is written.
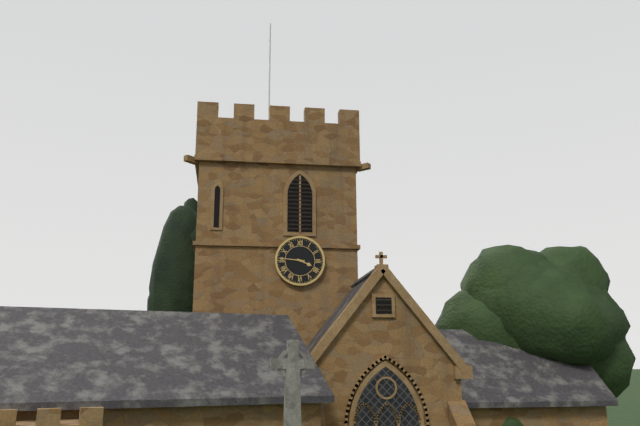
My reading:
3h46
